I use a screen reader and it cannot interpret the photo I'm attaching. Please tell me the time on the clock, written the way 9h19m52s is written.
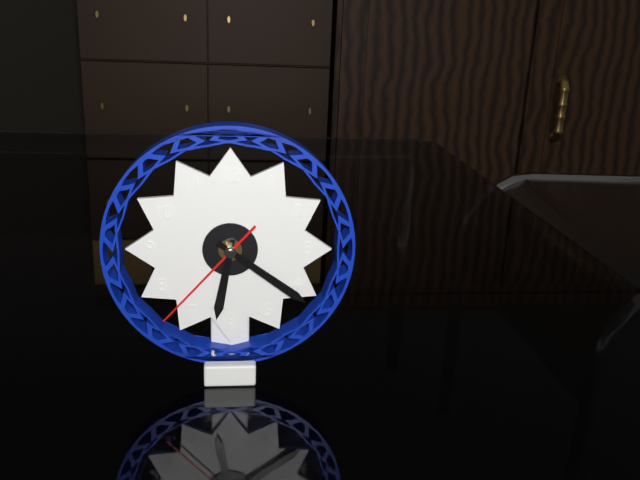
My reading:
6h21m37s
